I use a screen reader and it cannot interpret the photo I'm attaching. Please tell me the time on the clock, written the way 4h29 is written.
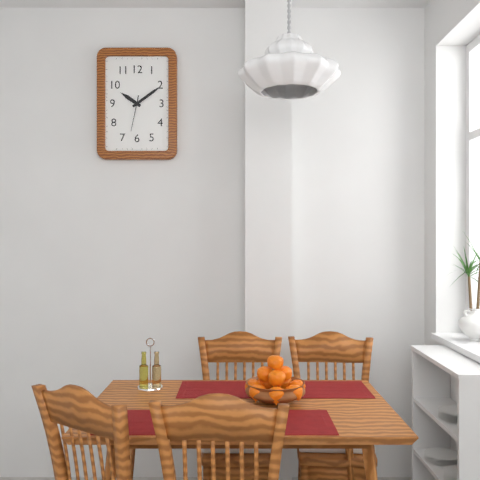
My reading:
10h09
